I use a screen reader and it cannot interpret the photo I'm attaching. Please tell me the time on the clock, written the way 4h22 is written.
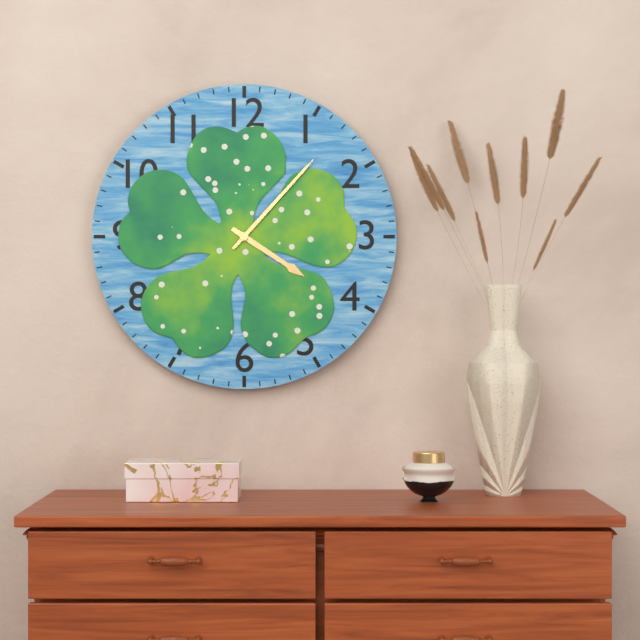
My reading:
4h07
